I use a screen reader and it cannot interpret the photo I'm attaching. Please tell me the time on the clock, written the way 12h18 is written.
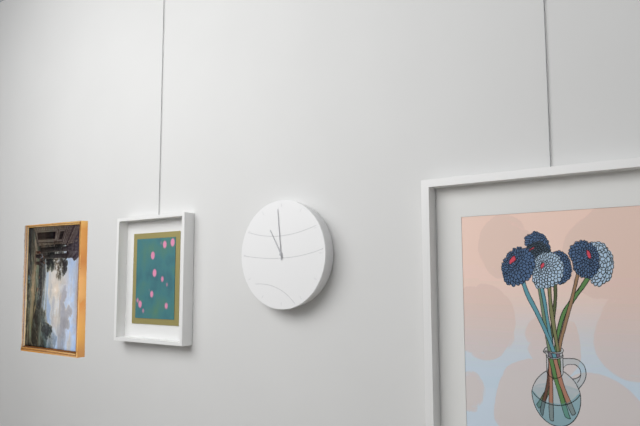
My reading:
10h59
